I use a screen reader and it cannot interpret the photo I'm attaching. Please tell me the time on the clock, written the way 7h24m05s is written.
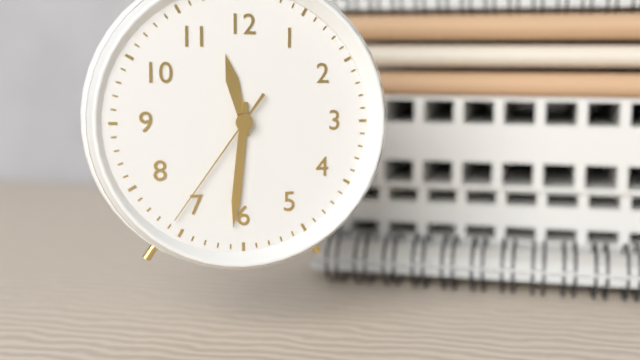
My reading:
11h31m36s
